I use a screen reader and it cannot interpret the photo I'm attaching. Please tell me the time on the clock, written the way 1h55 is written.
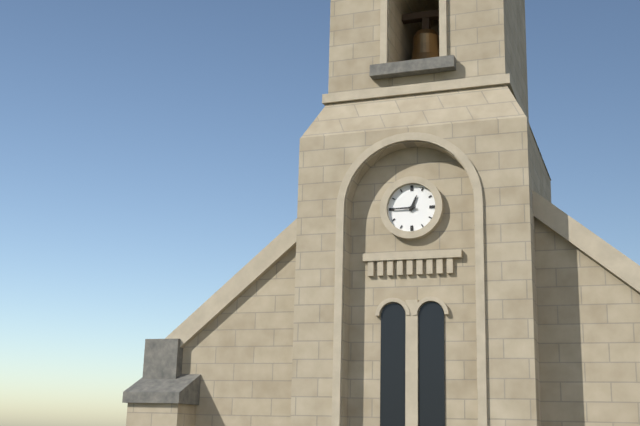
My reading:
12h45
